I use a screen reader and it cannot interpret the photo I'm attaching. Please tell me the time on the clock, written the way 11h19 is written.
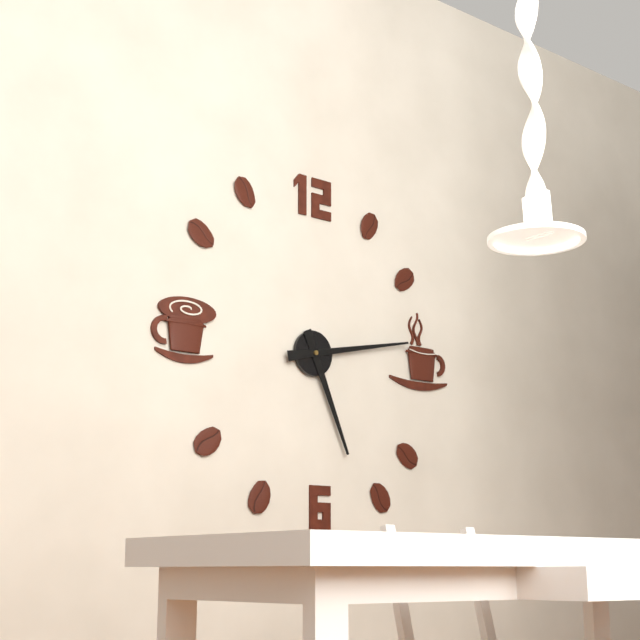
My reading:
5h13
